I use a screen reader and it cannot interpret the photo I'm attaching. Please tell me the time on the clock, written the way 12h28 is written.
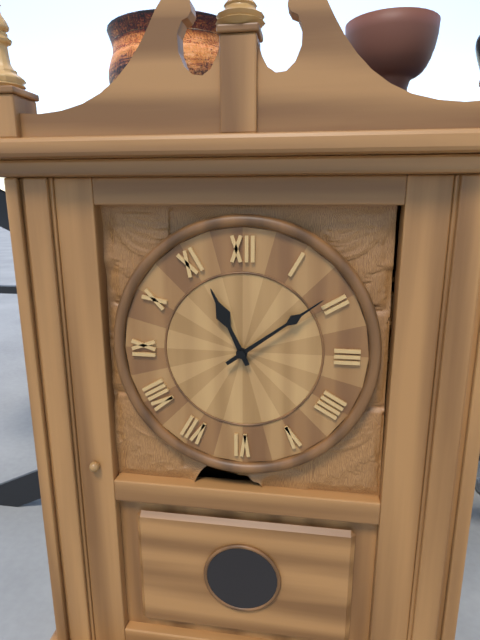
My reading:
11h09
